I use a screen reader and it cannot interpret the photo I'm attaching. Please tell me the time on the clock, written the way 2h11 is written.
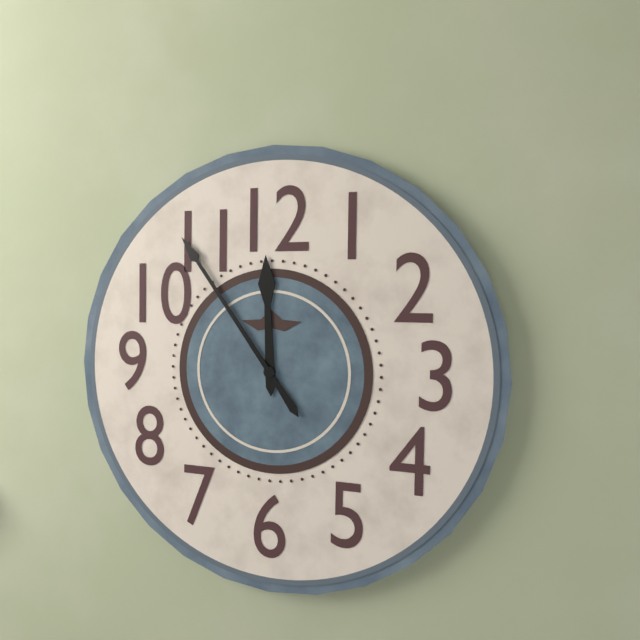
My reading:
11h54
